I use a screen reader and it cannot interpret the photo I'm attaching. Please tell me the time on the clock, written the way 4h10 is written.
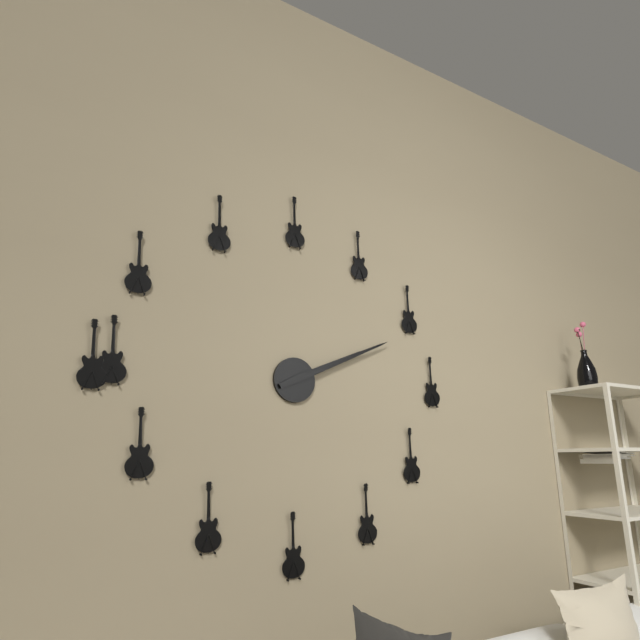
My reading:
2h11
